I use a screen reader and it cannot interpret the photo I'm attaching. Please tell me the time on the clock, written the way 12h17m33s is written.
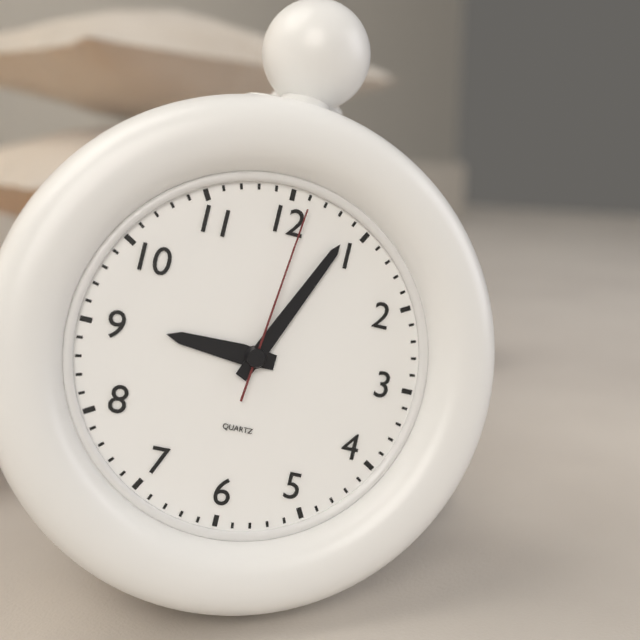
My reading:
9h04m01s
